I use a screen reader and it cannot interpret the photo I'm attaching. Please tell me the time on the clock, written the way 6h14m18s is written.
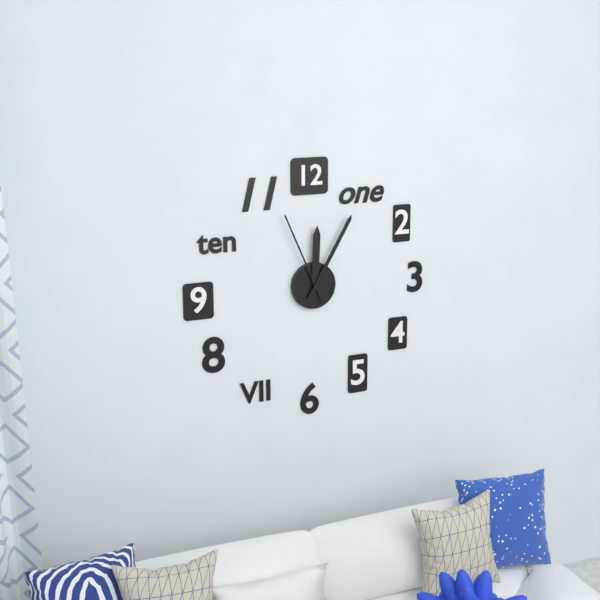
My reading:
12h05m56s
